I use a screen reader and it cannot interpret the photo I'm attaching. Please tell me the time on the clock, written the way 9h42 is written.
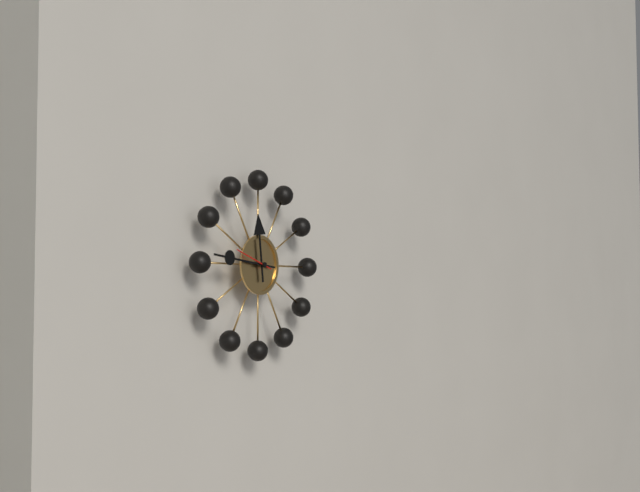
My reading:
11h46
